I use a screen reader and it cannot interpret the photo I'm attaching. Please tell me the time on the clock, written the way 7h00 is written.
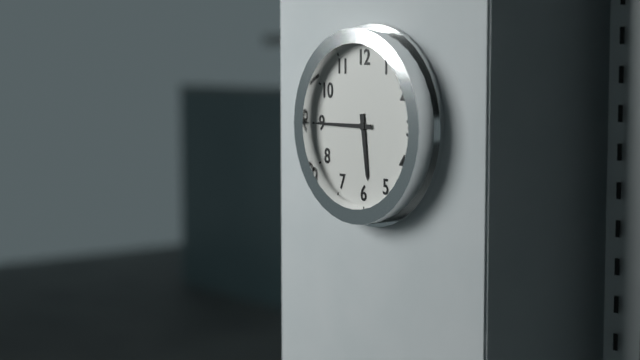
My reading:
5h45
